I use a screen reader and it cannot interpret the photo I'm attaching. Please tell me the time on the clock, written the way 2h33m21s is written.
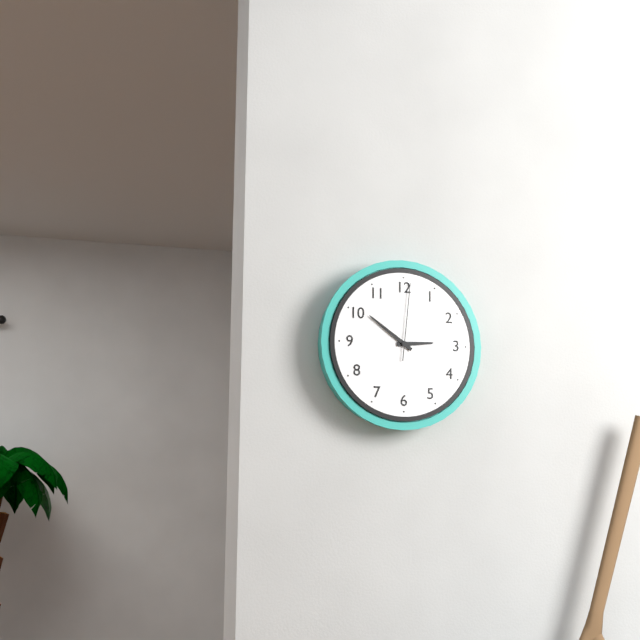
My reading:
2h51m01s
